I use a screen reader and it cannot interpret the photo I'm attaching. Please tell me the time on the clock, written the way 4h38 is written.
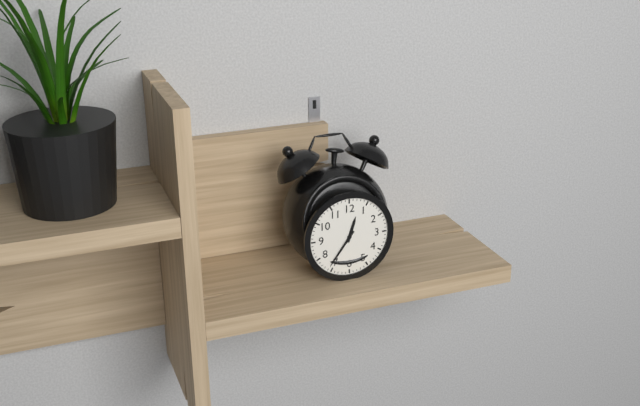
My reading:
12h36
